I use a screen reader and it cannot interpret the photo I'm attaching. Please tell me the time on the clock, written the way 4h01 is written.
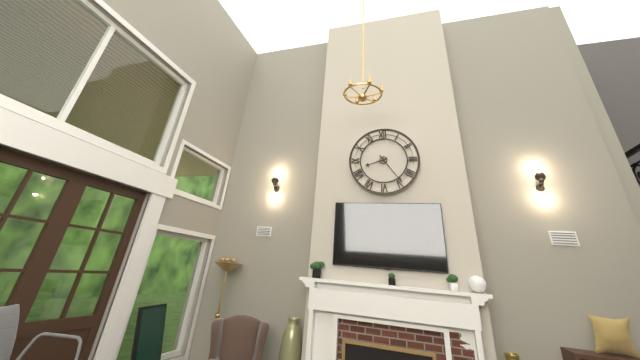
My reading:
8h24
